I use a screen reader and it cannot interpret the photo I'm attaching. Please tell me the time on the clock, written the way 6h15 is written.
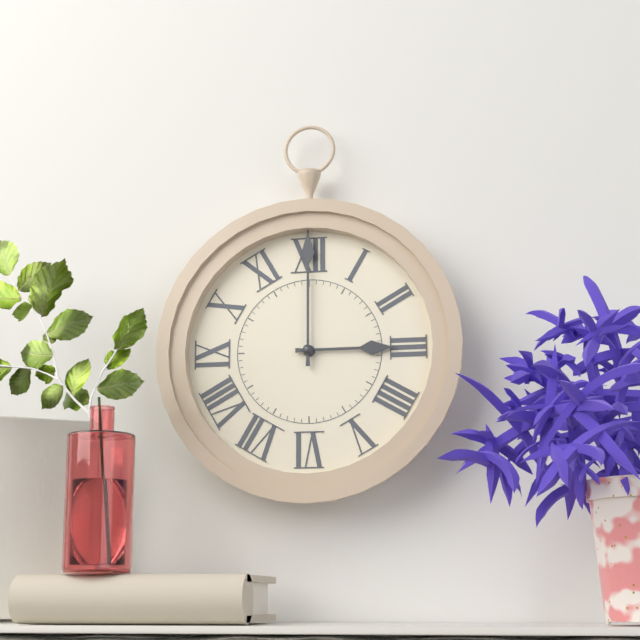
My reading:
3h00
